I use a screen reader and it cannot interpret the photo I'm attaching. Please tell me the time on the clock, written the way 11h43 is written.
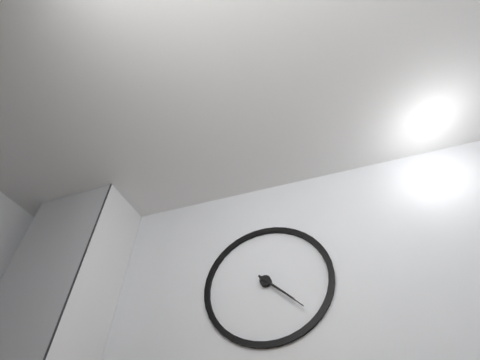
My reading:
4h22
